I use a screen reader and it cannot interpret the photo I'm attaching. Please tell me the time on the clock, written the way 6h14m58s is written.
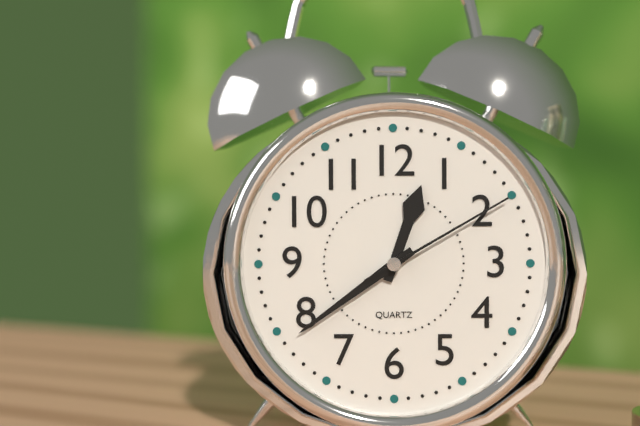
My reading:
12h39m10s
